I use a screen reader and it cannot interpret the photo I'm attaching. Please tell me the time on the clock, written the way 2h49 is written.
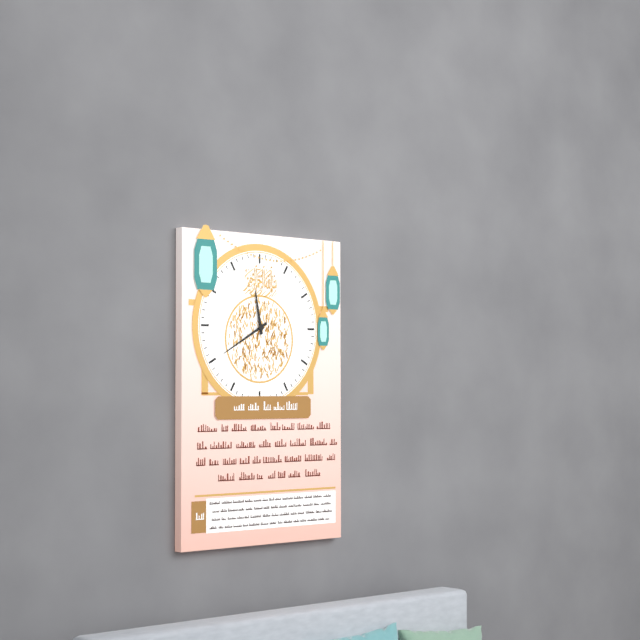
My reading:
11h40
